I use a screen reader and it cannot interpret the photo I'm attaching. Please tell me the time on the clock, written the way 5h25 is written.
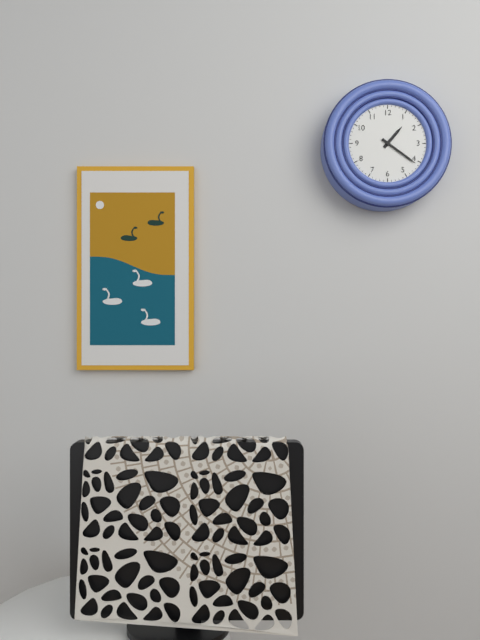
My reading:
1h21
